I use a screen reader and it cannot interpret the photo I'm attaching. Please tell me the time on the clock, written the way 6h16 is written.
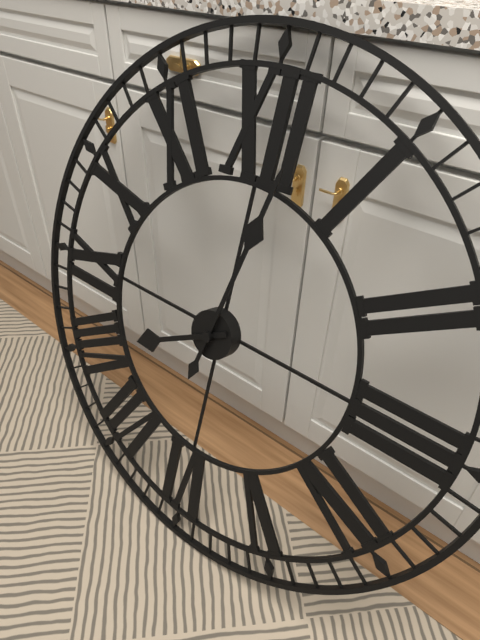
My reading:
8h02
